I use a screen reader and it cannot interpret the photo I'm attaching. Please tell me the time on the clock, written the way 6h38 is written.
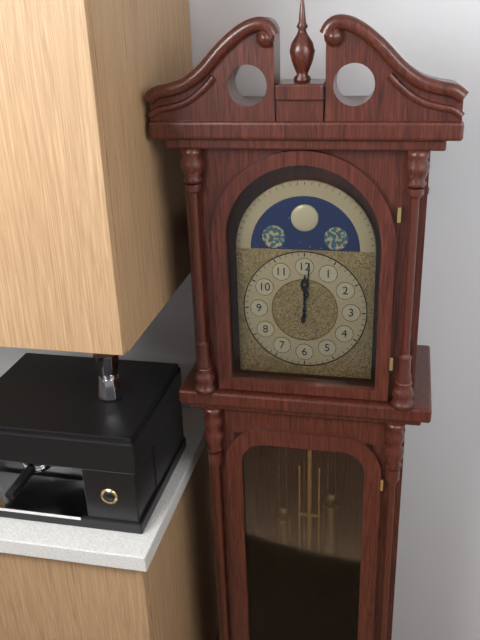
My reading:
12h01
